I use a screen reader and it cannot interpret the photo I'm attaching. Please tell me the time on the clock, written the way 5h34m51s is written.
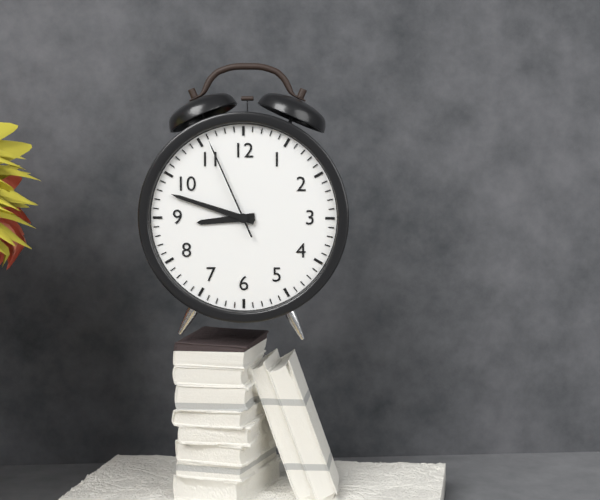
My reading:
8h48m56s
